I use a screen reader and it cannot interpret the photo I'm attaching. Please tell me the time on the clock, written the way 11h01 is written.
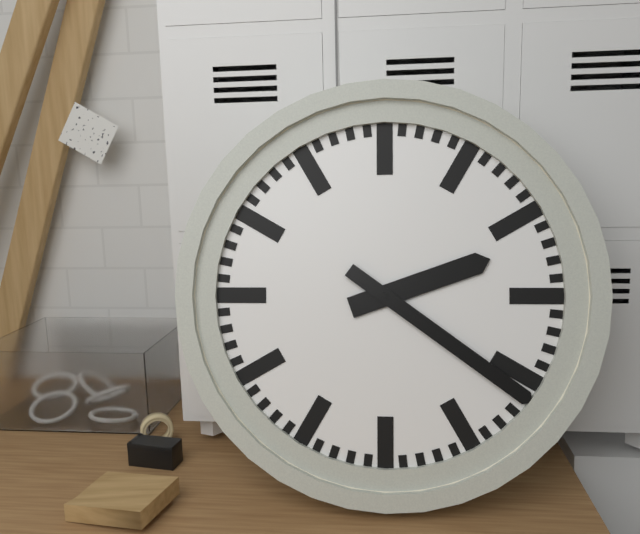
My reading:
2h21
